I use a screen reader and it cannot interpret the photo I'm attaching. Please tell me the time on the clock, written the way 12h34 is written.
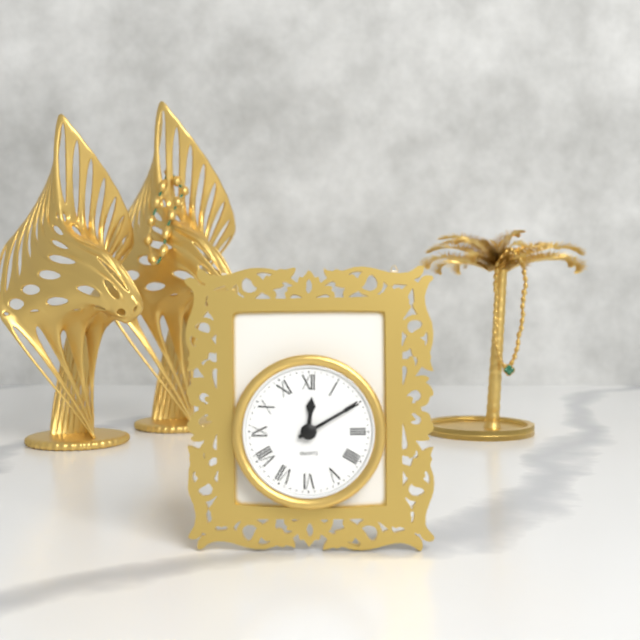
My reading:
12h10
